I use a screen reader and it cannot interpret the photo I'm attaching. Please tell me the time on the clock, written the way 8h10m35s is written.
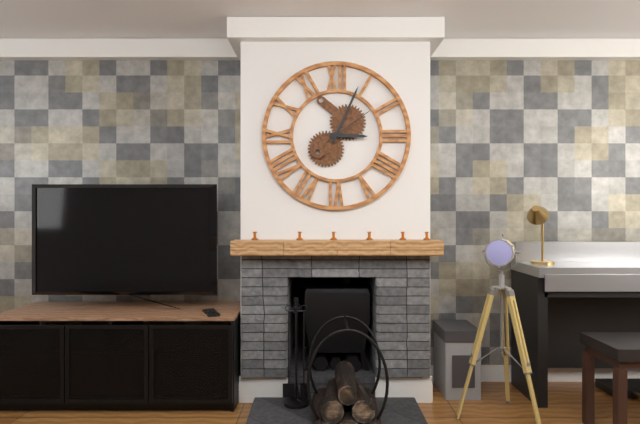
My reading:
3h04m09s
